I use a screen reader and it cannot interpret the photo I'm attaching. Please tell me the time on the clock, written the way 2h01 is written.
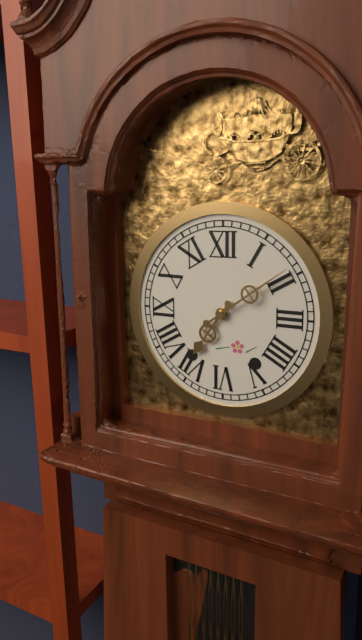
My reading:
7h09
